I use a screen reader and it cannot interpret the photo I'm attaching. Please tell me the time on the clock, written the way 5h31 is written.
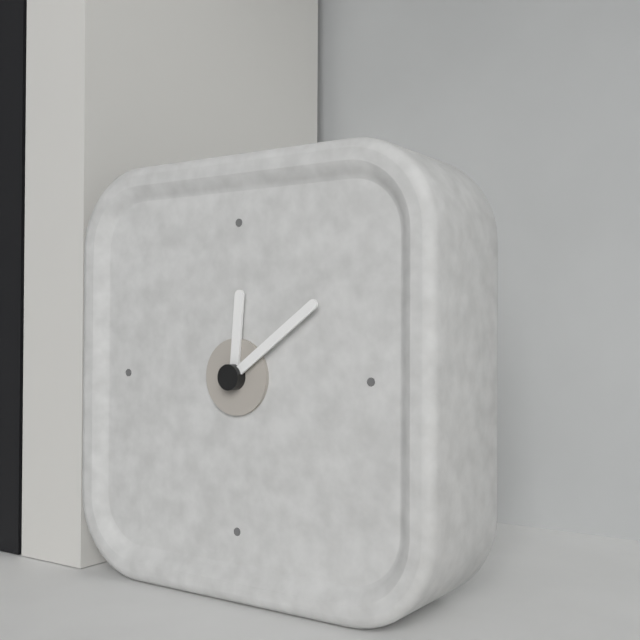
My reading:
12h09
